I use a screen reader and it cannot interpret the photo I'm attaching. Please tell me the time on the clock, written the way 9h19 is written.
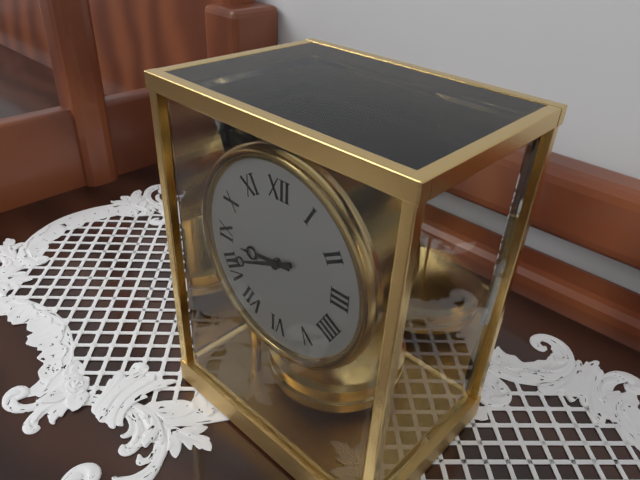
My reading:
8h41
